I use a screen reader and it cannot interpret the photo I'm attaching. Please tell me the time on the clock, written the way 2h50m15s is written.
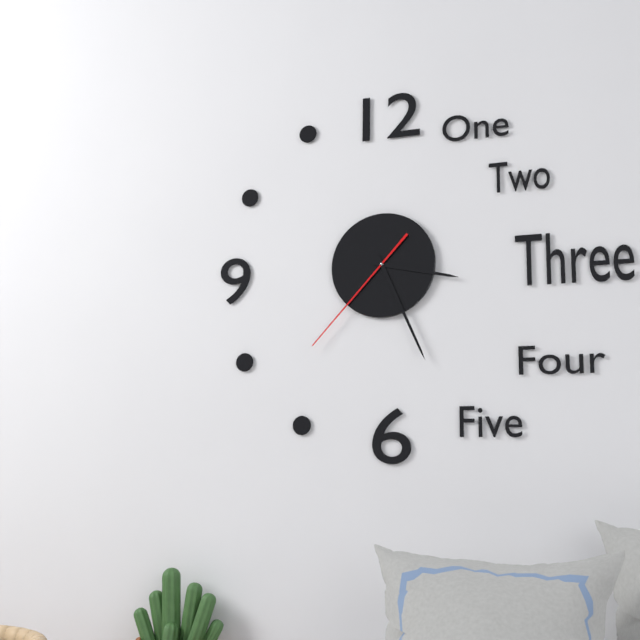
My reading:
3h26m37s
